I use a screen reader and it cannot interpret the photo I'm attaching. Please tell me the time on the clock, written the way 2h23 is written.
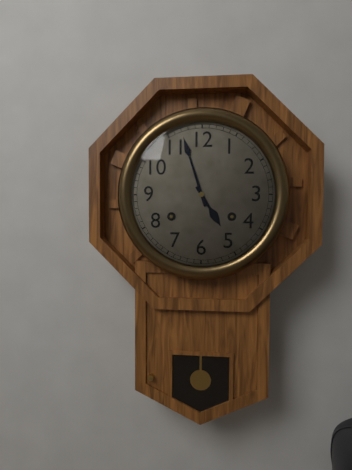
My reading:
4h57
